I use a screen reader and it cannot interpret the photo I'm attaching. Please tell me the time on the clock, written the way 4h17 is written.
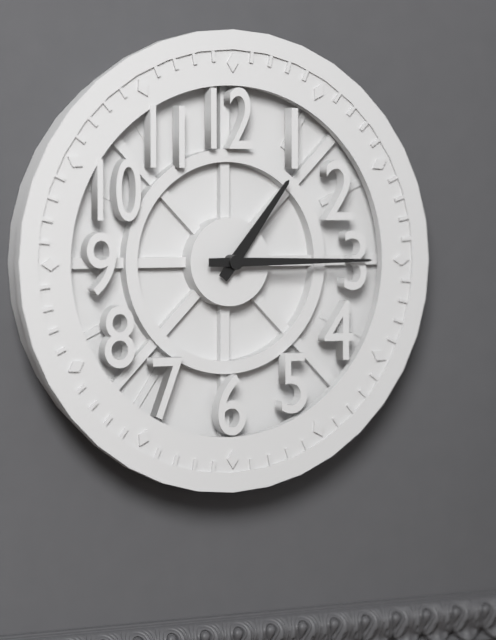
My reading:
1h15
